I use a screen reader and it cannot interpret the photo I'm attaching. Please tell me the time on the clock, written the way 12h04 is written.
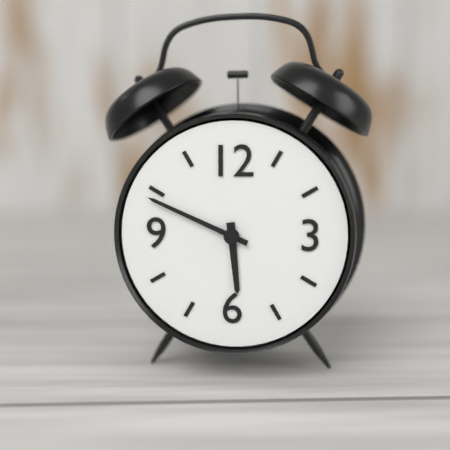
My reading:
5h49
